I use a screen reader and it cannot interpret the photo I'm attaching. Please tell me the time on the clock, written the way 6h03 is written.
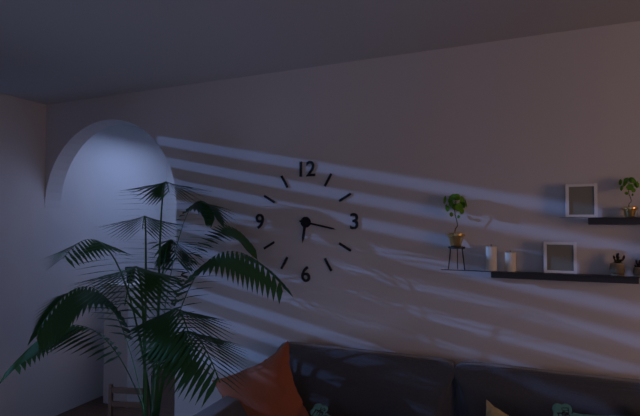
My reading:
6h17
